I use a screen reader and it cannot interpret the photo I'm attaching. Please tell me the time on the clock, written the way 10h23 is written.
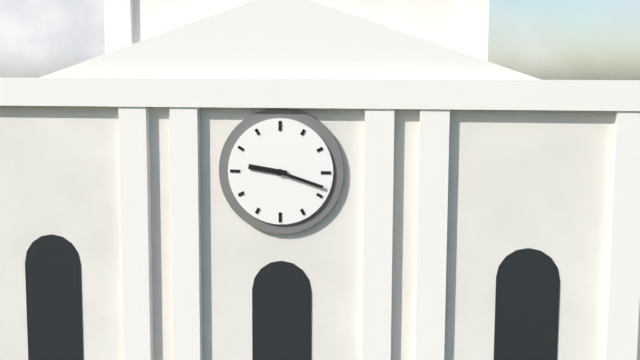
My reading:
9h18
